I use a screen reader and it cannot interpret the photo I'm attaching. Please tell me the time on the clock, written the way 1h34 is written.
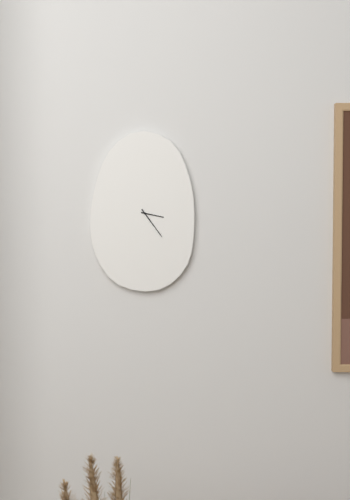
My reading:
3h24
